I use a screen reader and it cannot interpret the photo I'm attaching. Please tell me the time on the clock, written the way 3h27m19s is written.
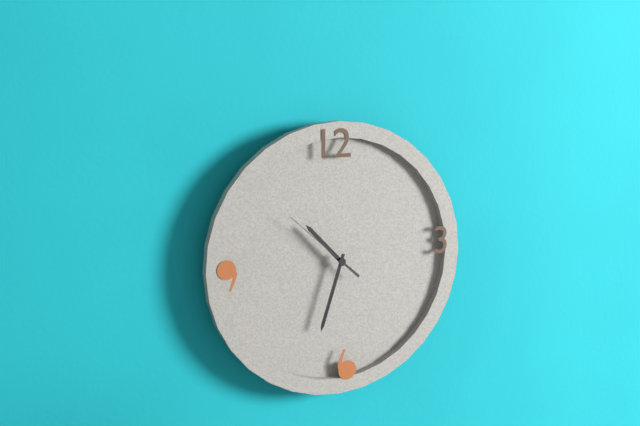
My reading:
10h33m52s
